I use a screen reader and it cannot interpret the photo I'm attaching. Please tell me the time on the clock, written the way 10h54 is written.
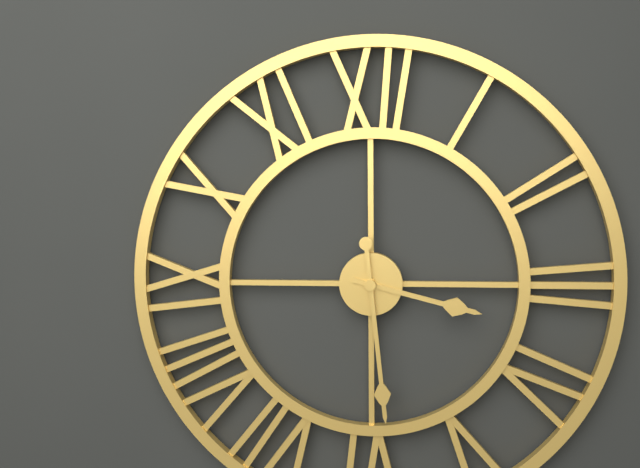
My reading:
3h29
